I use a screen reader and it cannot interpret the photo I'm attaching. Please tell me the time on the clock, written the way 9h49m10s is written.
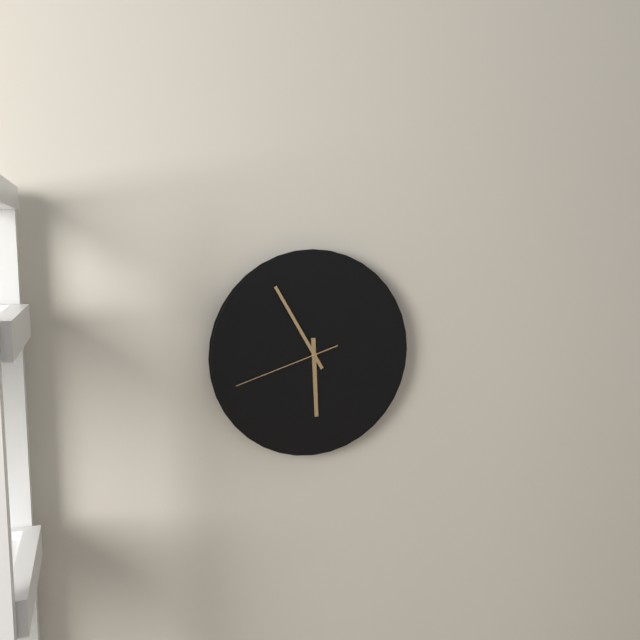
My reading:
5h55m42s
